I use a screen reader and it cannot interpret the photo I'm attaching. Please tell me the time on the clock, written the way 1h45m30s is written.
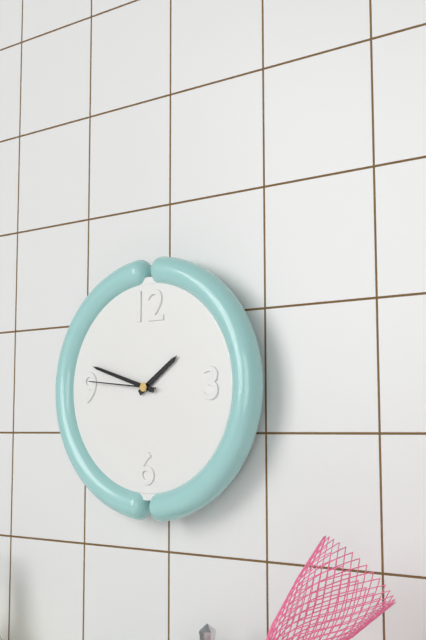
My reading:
1h48m46s
